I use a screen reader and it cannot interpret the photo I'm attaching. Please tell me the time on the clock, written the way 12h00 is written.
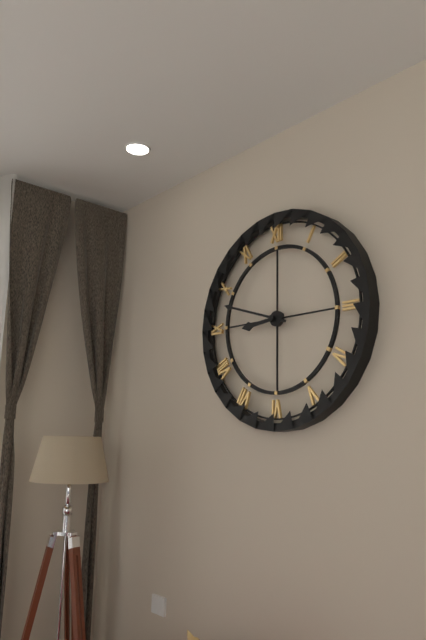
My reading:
8h48
